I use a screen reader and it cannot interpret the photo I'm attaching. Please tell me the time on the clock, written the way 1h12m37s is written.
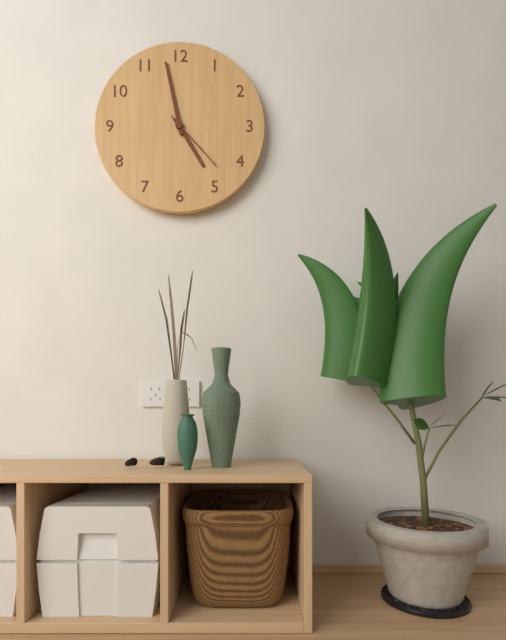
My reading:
4h58m23s
